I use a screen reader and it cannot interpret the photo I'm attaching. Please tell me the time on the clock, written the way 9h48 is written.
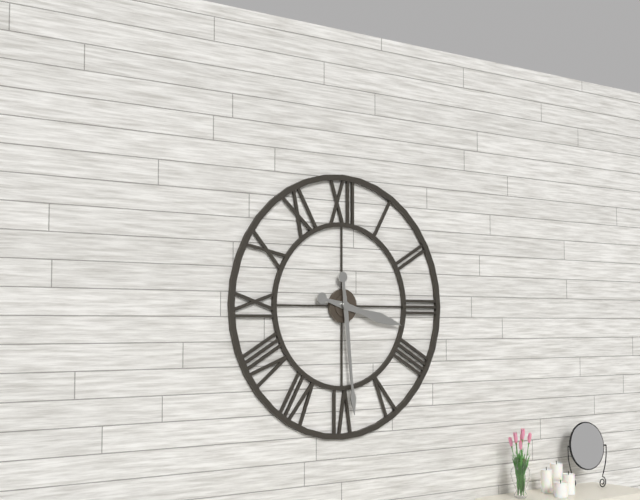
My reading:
3h29
